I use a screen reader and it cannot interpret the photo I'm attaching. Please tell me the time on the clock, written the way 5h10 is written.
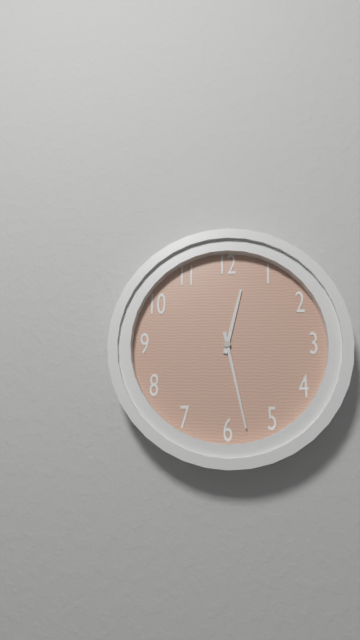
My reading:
12h28
